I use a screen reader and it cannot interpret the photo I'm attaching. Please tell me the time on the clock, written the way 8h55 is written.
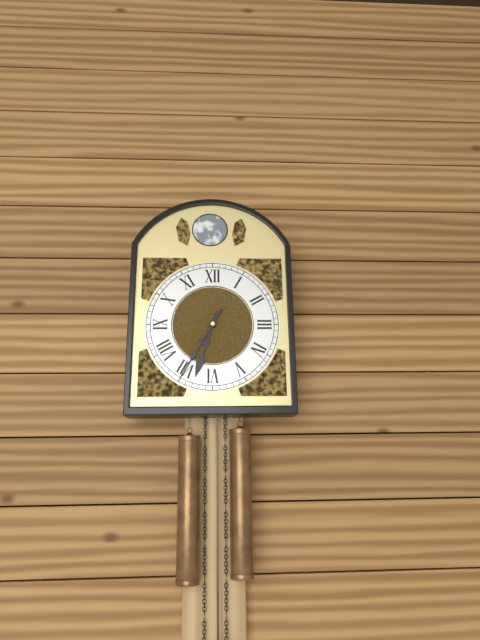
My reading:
6h35
